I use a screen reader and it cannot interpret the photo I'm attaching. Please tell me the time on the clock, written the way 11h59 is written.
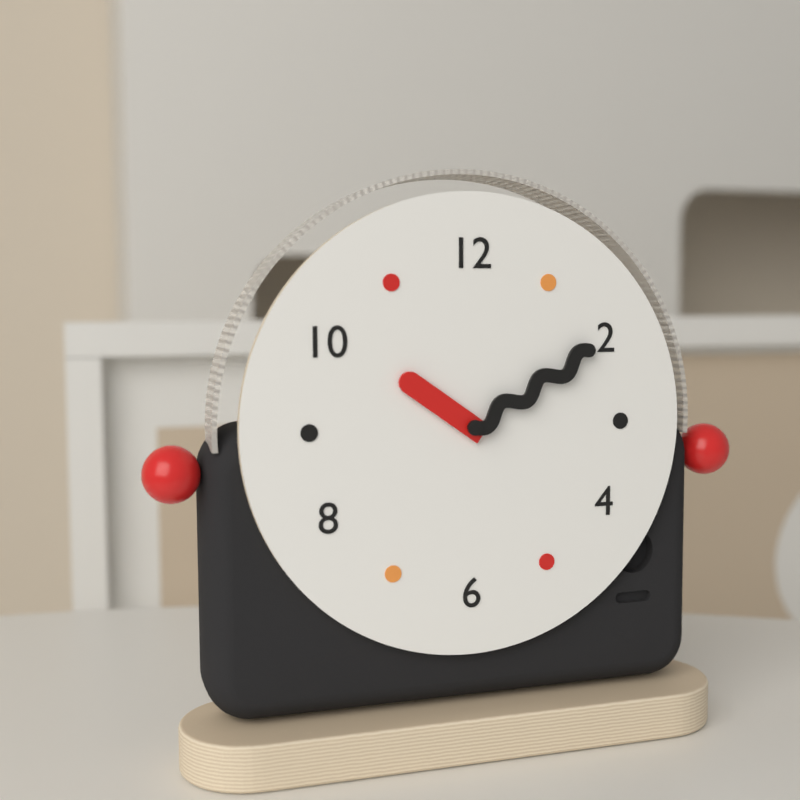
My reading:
10h10
